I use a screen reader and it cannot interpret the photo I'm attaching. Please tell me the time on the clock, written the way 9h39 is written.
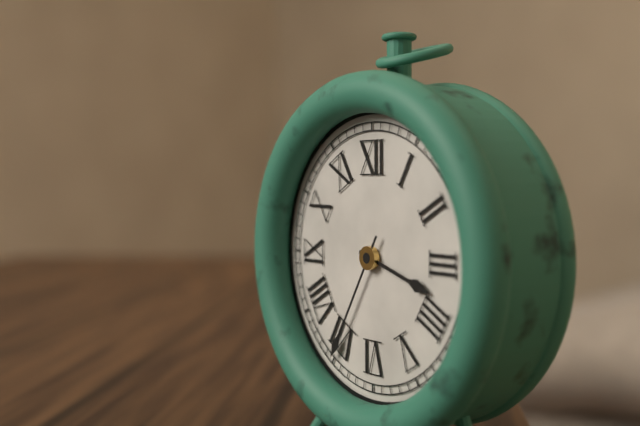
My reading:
3h35
